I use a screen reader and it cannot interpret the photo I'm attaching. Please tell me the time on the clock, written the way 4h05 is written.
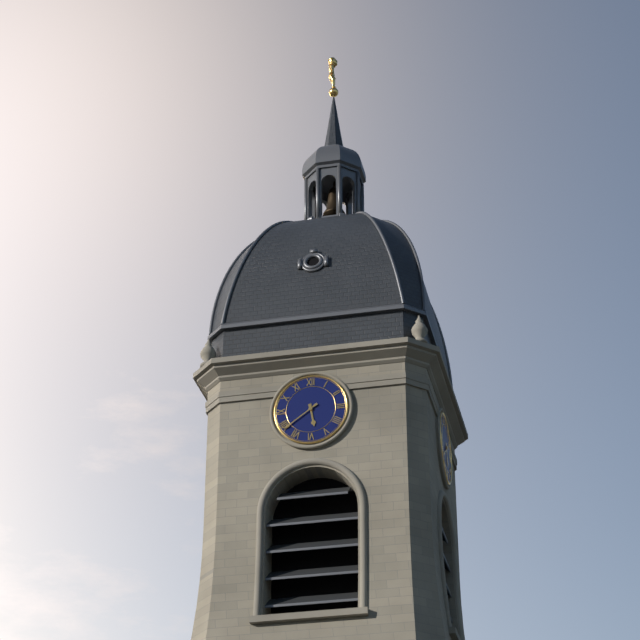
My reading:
5h39
